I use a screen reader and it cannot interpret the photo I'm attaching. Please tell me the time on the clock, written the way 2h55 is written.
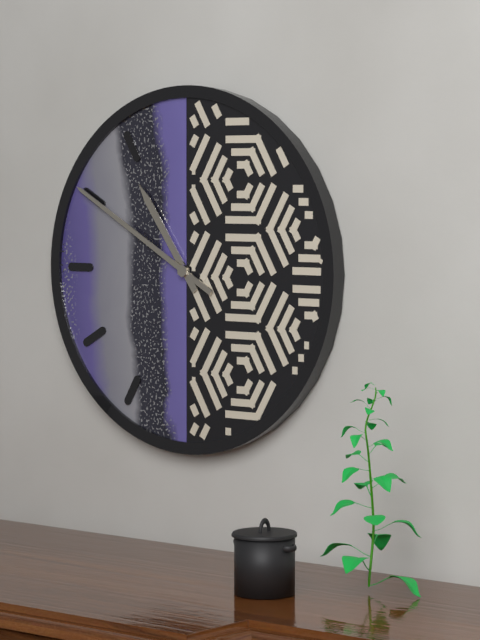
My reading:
10h50
